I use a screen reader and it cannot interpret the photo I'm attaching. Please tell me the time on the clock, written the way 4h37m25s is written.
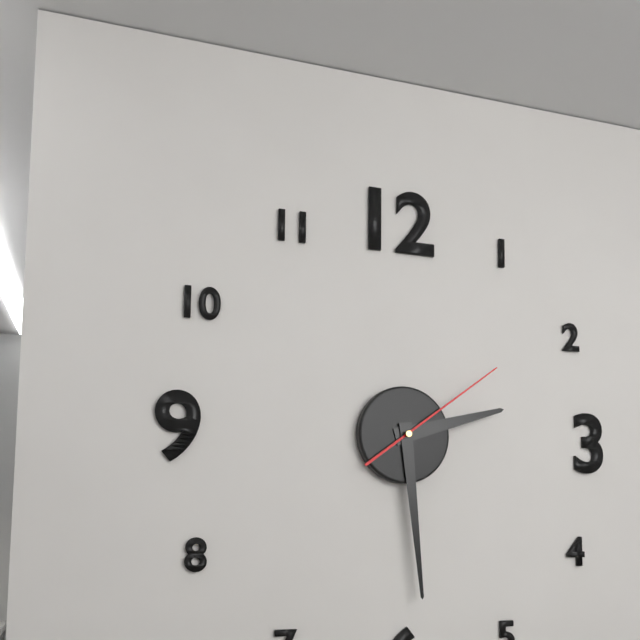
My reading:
2h29m09s
